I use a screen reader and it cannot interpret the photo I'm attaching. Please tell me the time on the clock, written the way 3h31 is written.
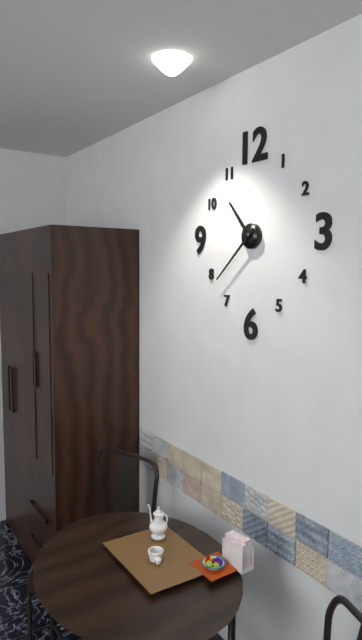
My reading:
10h38
